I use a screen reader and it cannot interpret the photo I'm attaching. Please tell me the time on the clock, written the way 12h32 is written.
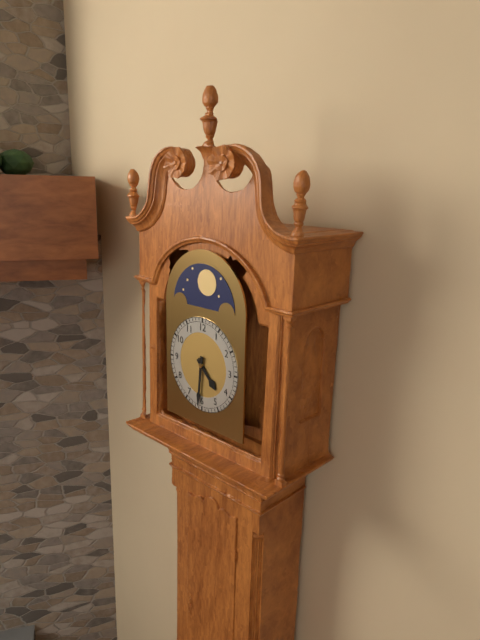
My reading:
4h31
